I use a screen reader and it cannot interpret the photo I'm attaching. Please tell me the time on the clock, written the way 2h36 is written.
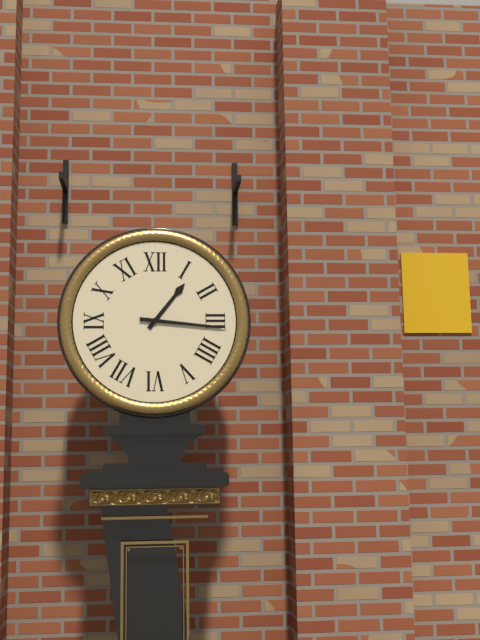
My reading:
1h16
